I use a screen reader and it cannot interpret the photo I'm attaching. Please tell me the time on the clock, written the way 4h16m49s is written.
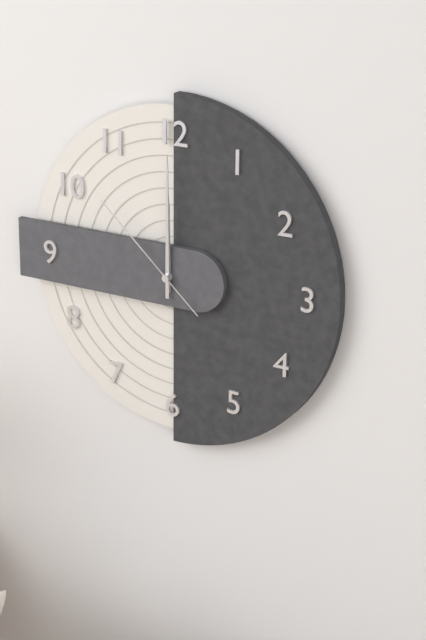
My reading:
12h00m52s
